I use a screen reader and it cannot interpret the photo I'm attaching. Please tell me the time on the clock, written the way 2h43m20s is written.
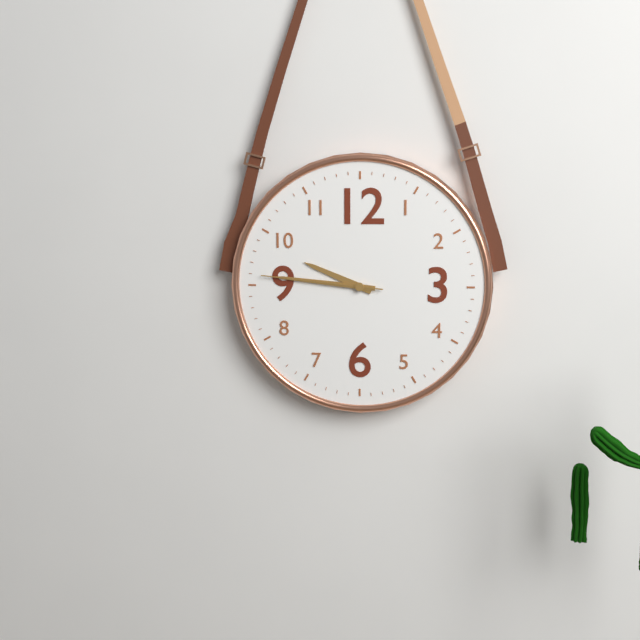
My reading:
9h46m46s
